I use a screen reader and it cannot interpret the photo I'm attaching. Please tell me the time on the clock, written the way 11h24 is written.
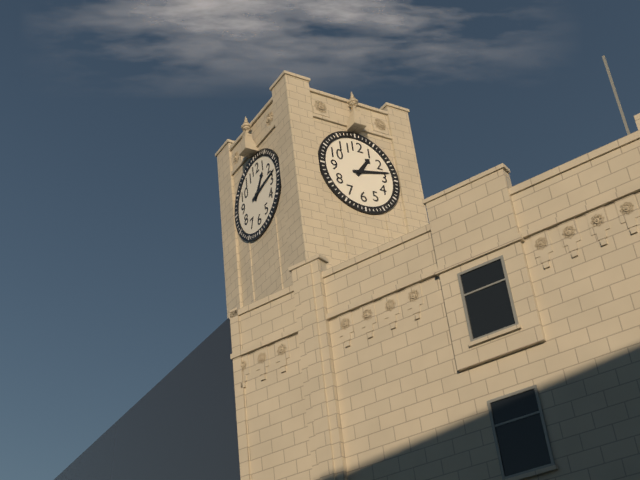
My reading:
1h13
